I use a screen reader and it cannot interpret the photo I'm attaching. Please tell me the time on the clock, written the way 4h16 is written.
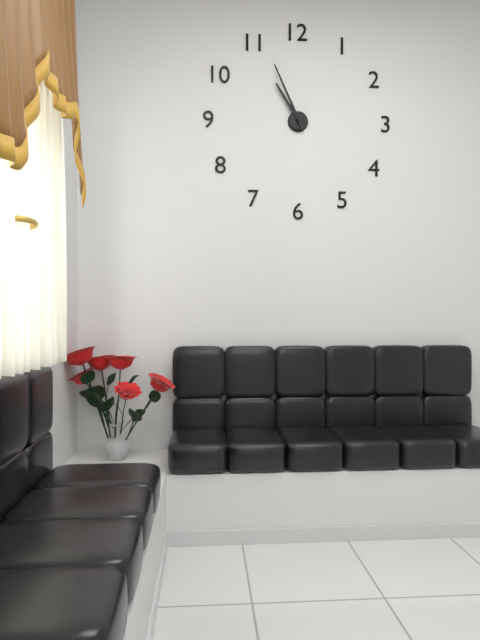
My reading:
10h56
